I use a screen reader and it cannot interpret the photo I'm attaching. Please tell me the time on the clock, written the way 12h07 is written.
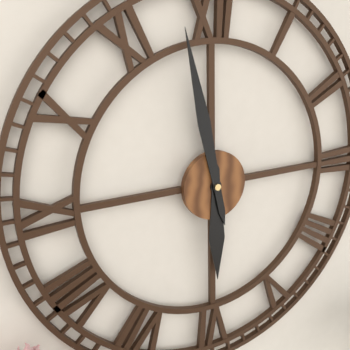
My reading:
5h58
